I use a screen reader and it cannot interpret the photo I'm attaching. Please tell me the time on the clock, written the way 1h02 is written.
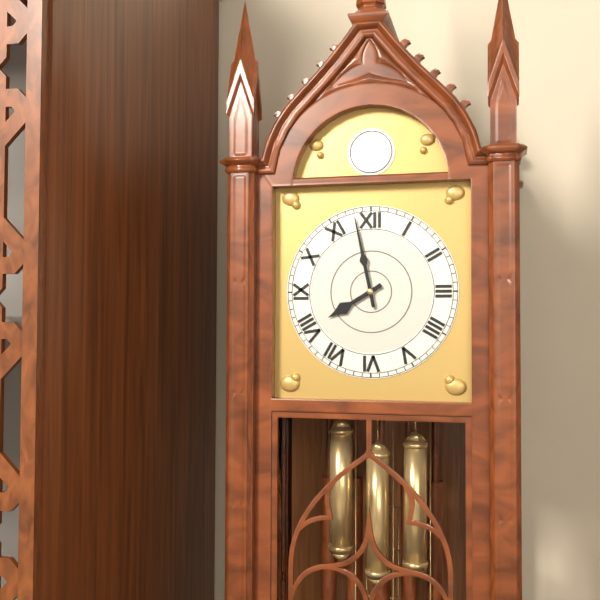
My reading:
7h58
